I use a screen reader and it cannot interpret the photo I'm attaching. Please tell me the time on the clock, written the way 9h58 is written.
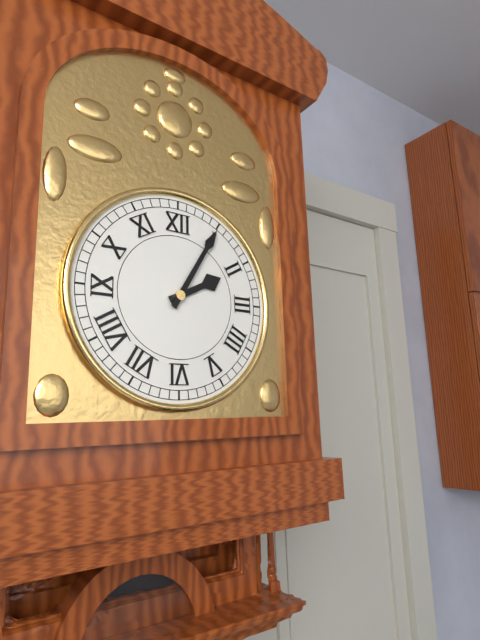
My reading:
2h05
